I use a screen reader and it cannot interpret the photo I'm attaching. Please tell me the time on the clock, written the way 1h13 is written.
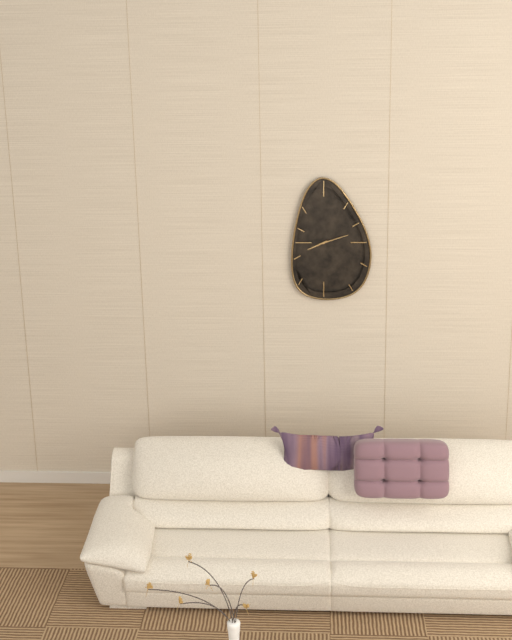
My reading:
8h12
